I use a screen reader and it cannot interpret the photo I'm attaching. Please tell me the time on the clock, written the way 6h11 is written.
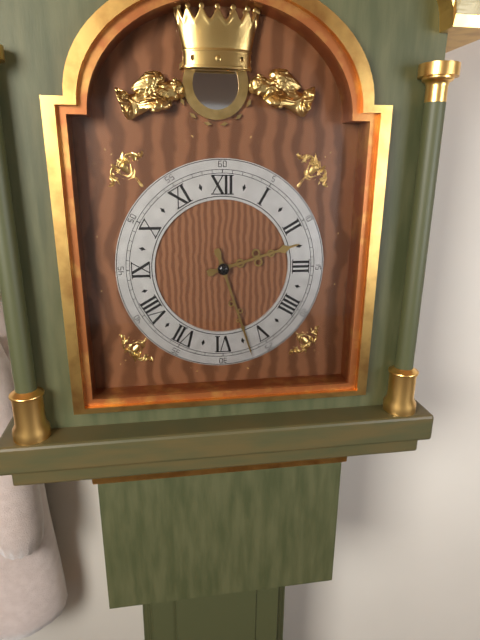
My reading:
2h27
